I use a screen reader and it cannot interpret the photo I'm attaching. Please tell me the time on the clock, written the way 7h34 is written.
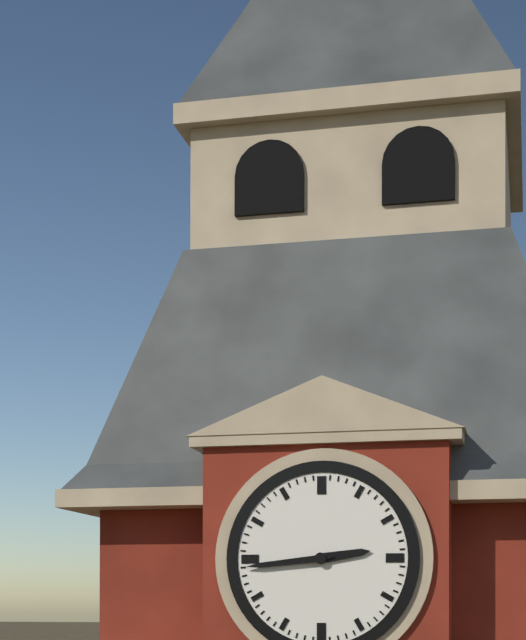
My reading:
2h44
